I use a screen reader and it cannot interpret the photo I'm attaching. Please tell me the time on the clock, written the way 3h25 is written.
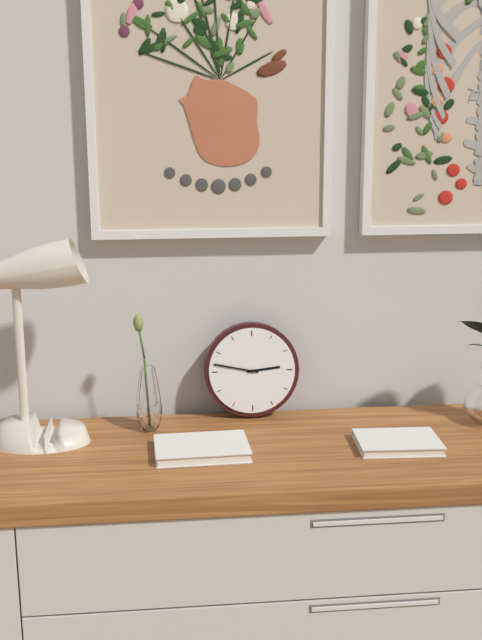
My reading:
2h47
